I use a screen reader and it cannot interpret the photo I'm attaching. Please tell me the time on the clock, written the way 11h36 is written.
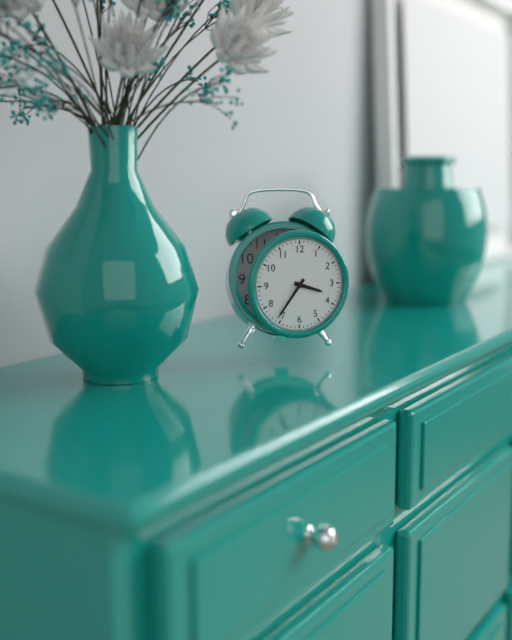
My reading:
3h36
